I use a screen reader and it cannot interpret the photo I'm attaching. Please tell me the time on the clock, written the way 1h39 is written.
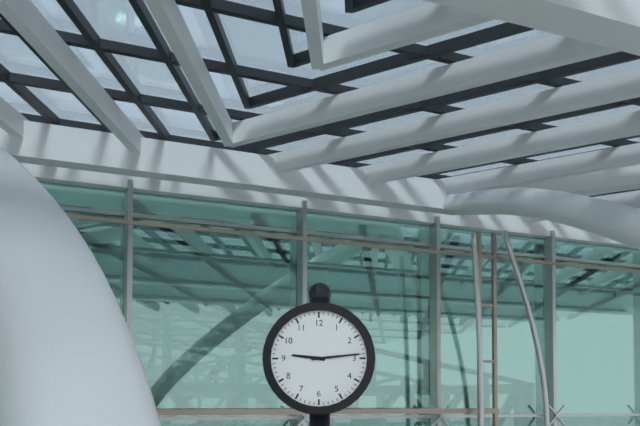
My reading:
9h14
